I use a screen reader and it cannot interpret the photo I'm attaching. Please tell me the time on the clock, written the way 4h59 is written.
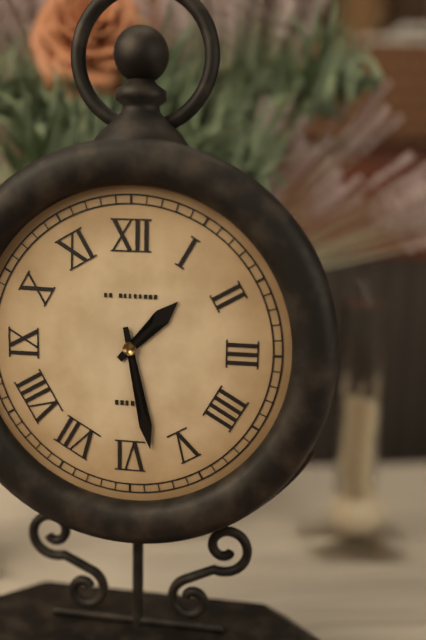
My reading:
1h28
